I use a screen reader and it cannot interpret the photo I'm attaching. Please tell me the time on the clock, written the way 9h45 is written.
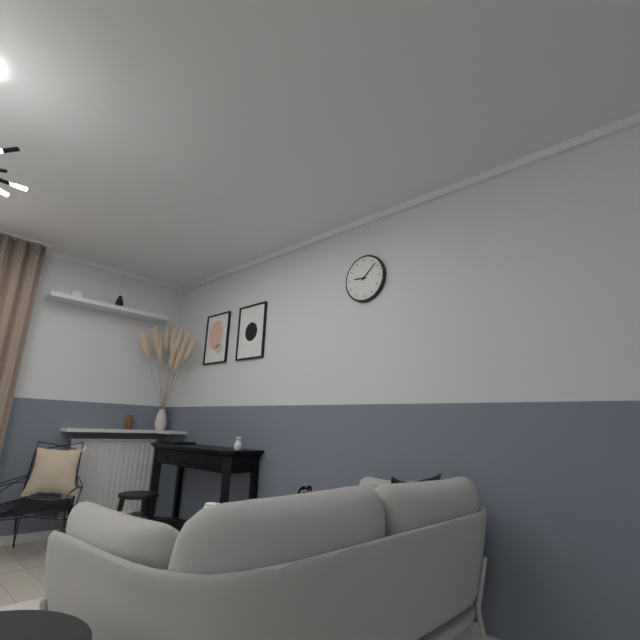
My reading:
9h08
